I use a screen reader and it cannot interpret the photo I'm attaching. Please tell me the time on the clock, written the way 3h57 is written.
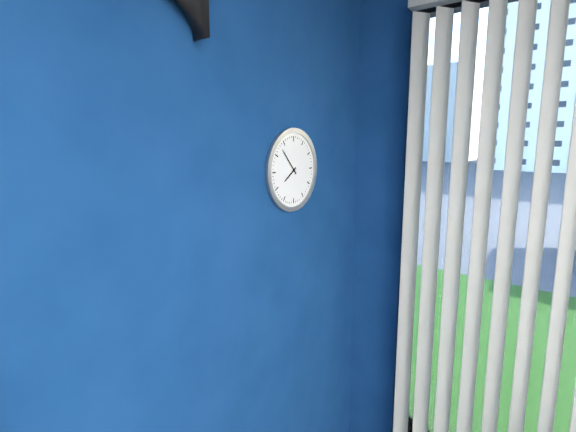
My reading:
7h53
